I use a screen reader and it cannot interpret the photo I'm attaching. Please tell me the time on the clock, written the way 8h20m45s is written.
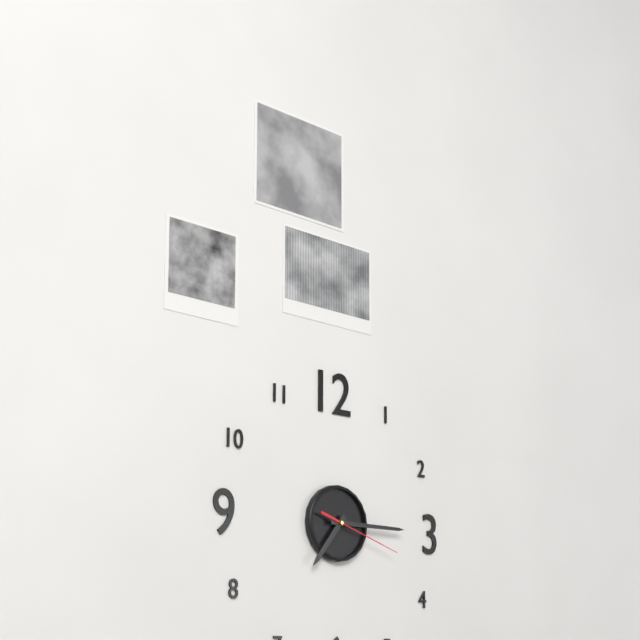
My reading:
7h15m18s
